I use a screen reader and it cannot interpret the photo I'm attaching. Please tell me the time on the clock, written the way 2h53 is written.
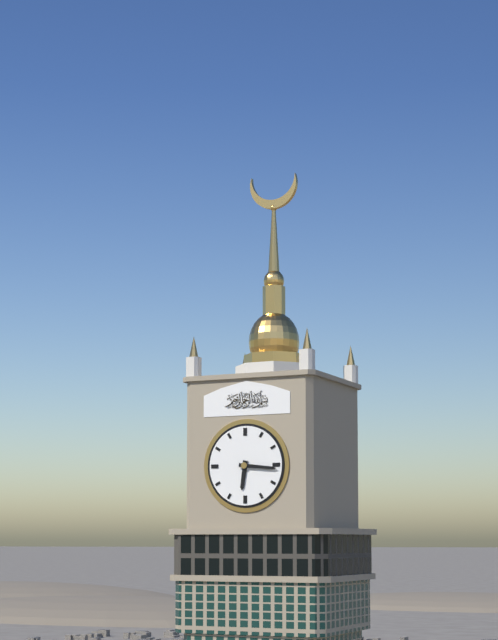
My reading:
6h16
